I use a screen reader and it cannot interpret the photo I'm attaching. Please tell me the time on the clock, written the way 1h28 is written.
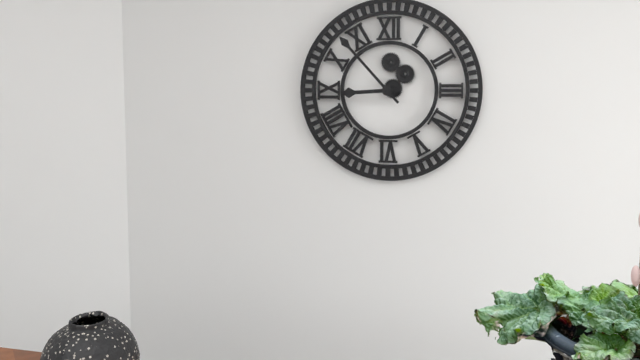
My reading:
8h53
